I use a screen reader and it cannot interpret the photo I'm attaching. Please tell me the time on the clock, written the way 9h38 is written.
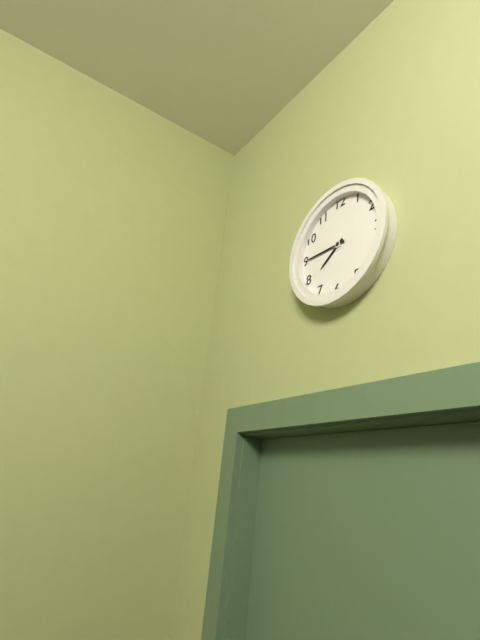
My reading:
7h45
